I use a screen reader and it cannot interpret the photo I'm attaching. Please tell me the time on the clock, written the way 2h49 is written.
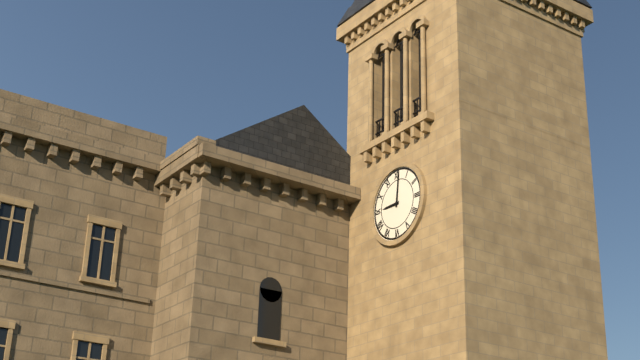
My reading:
9h01
